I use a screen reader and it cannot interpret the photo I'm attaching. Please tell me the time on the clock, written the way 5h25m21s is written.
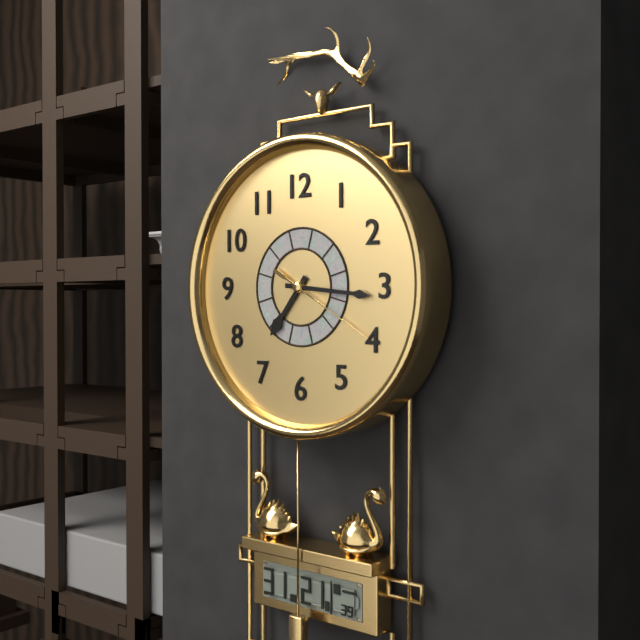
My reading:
7h16m20s
